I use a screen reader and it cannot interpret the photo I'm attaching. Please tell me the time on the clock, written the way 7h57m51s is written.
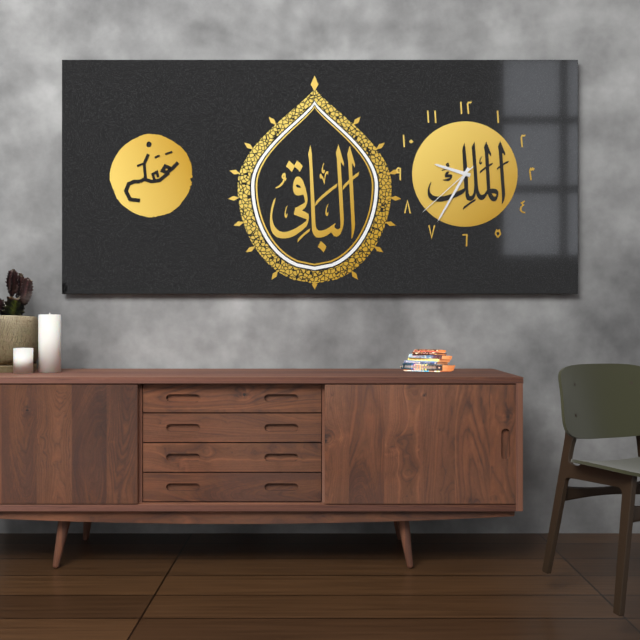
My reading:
9h35m38s
